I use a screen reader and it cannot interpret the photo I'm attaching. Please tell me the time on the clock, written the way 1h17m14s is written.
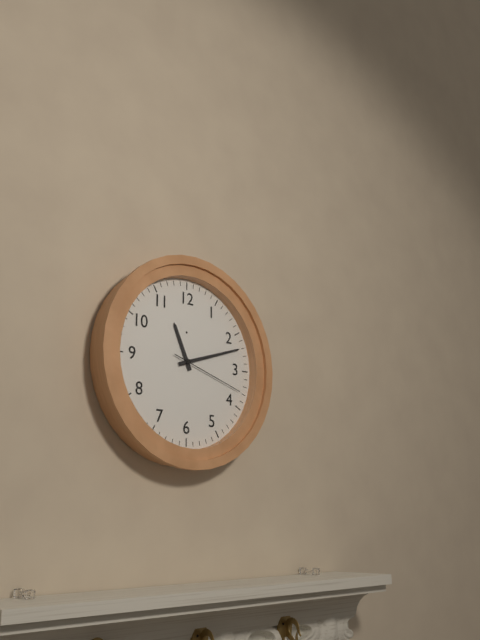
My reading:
11h12m18s
